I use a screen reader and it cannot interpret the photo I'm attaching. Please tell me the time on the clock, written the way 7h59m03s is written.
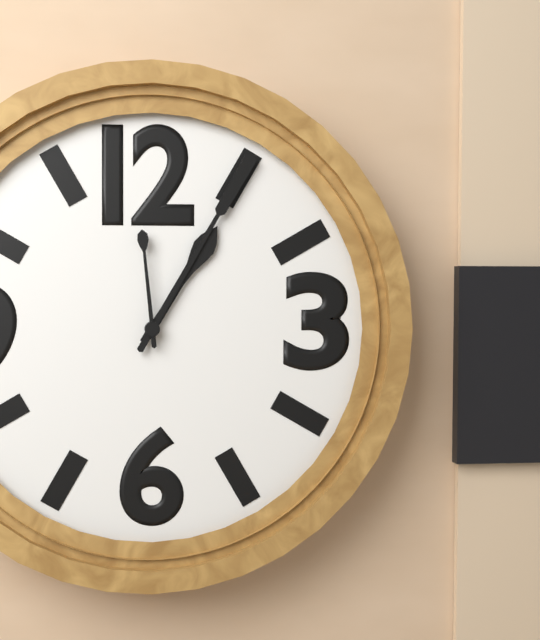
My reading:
1h05m59s
